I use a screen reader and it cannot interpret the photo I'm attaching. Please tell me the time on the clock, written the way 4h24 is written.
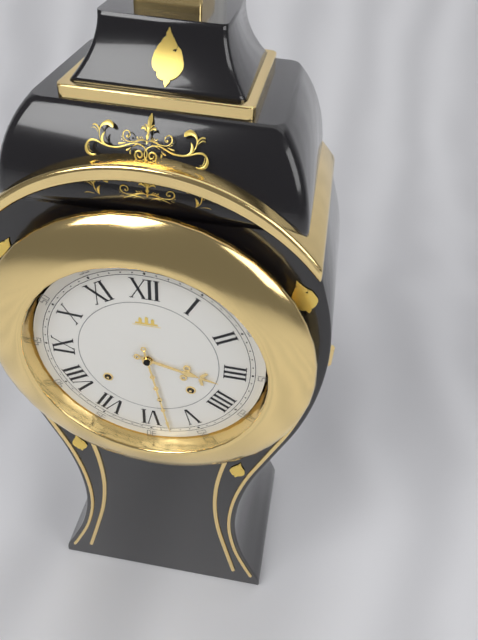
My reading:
3h28
